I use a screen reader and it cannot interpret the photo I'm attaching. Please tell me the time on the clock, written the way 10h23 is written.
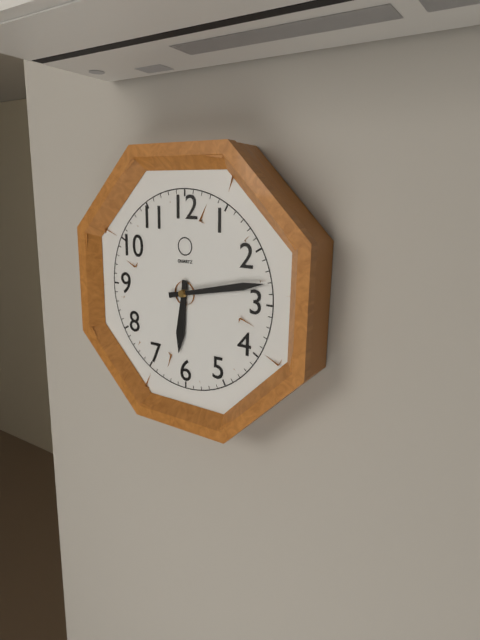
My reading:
6h13
